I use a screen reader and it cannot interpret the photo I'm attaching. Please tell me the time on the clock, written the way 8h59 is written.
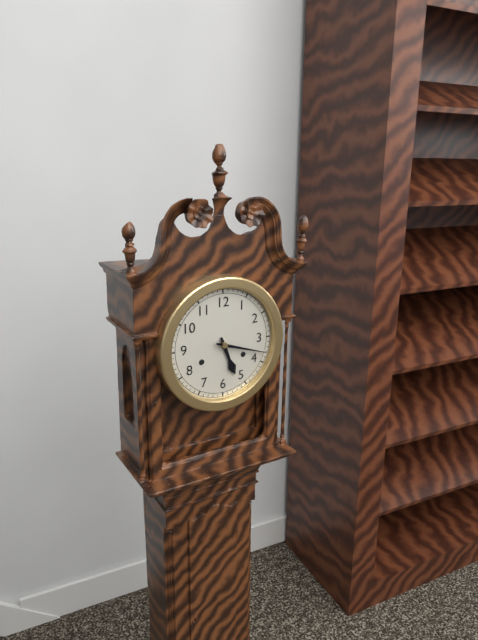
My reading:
5h18
